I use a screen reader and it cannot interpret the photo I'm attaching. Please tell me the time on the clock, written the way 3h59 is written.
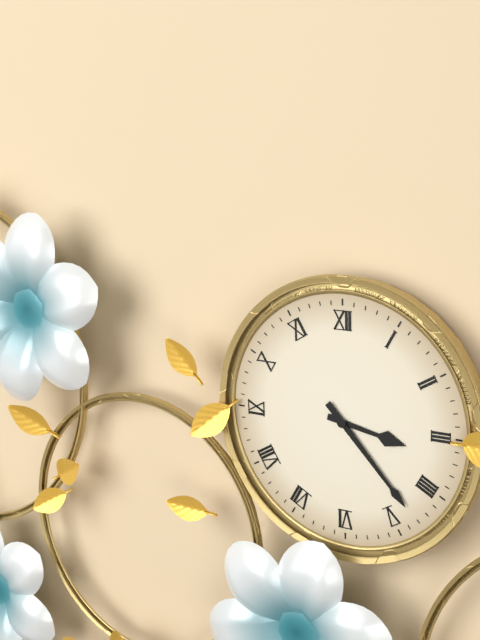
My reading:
3h23
